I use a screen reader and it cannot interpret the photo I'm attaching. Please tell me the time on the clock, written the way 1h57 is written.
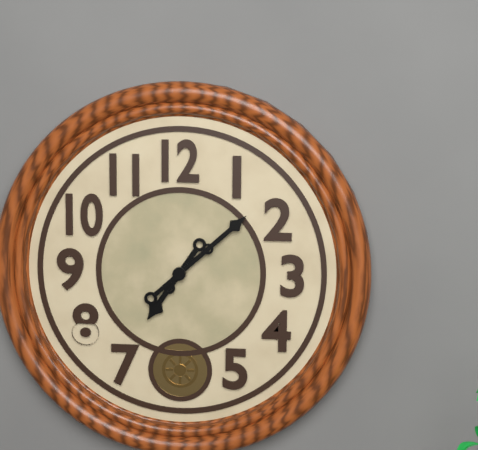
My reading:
7h08
